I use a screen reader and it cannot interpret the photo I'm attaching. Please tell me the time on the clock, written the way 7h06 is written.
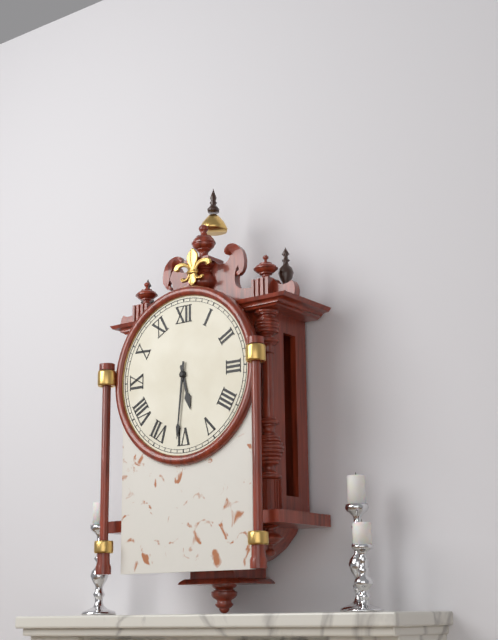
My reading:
5h31
